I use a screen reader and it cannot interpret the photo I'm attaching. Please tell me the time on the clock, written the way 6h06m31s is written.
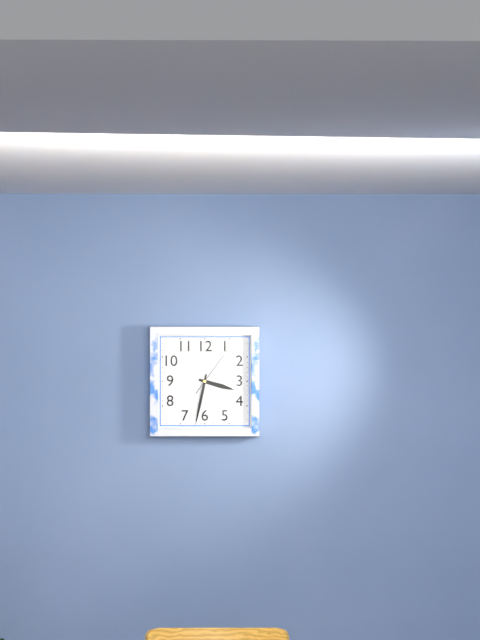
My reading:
3h32m06s
